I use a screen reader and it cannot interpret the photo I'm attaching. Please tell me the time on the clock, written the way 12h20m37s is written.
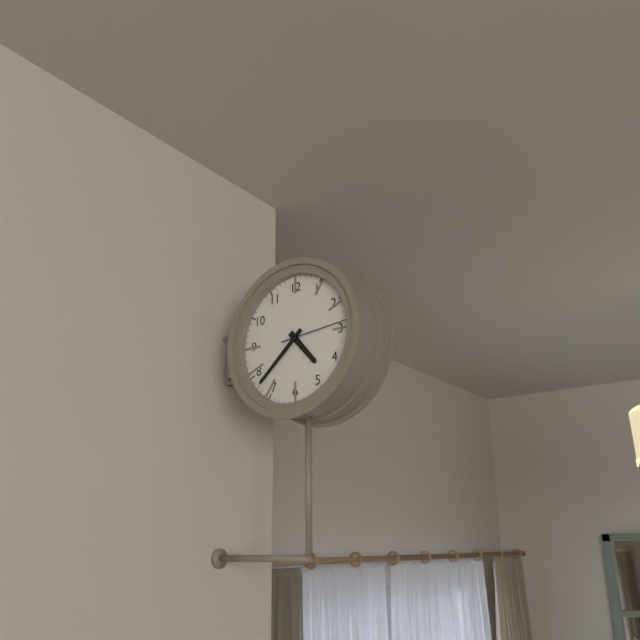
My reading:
4h38m14s
